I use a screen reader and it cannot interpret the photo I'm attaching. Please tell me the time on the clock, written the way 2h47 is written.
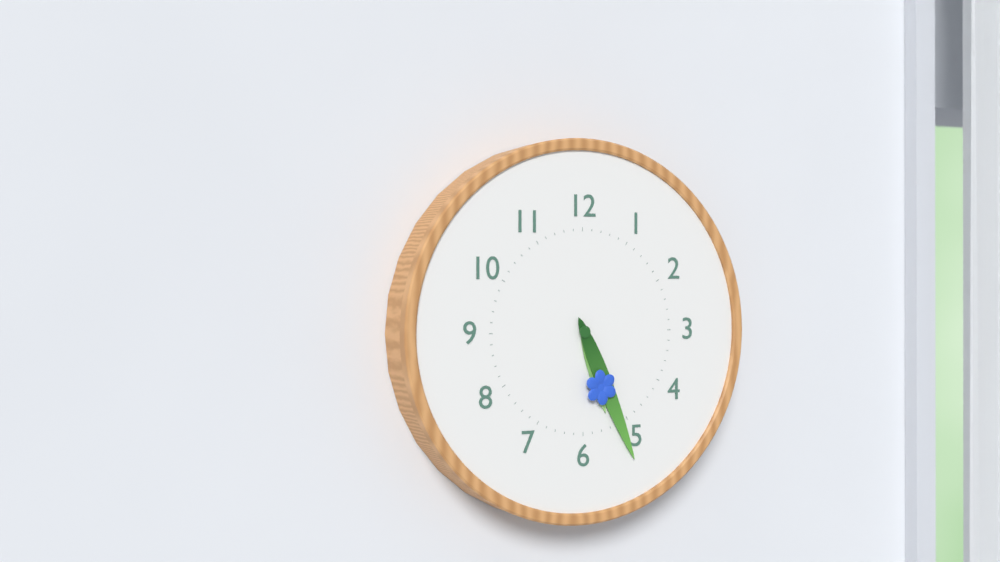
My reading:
5h26
